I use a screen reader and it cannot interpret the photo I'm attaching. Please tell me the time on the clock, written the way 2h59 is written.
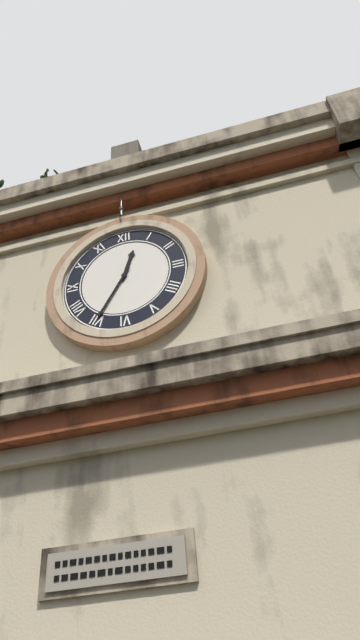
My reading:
12h35
